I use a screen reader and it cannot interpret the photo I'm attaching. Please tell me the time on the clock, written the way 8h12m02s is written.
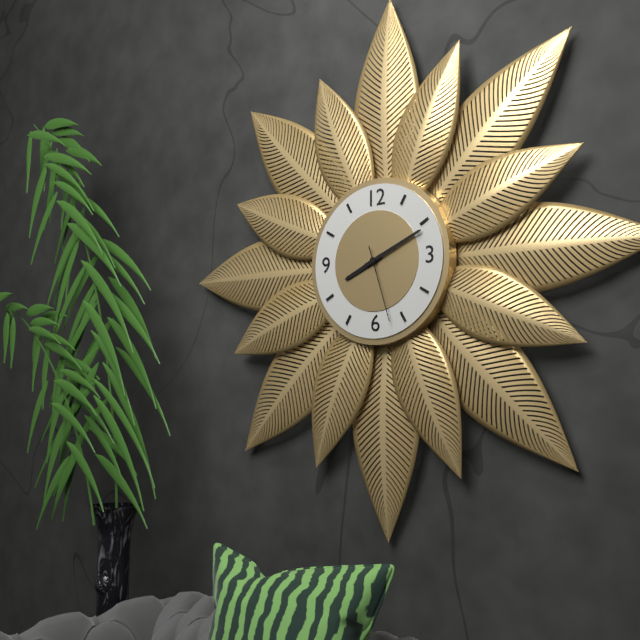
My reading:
8h11m27s
